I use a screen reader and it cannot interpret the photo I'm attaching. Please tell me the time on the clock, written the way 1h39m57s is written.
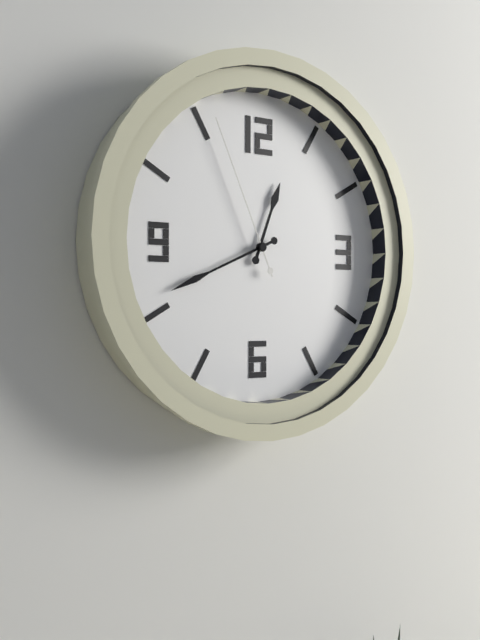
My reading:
12h41m56s
